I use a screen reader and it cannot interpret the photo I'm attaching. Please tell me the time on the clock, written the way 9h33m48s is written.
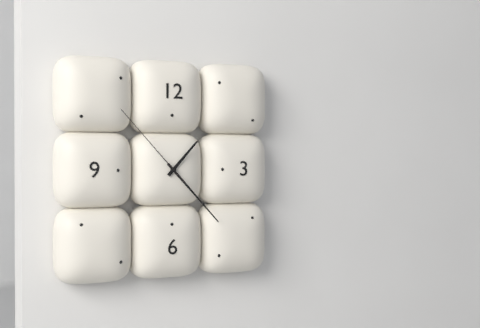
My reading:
1h23m53s
